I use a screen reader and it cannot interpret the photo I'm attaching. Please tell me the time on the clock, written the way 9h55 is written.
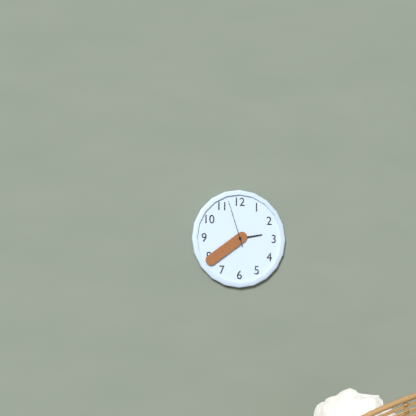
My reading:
2h39
